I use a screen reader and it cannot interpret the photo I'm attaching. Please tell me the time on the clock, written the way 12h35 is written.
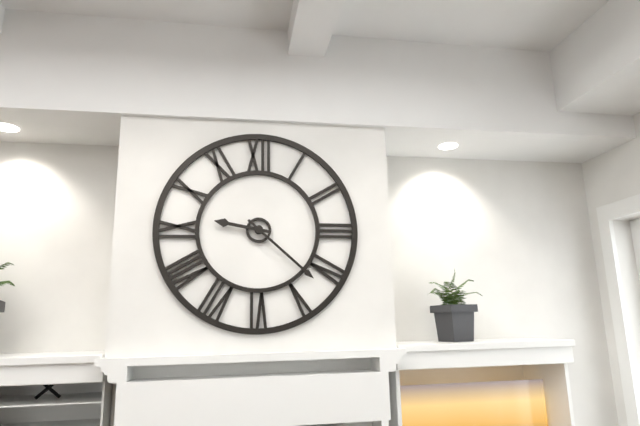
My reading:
9h22
